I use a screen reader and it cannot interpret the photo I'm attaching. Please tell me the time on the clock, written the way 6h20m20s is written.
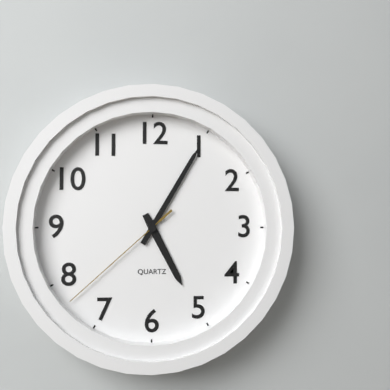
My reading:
5h05m38s
